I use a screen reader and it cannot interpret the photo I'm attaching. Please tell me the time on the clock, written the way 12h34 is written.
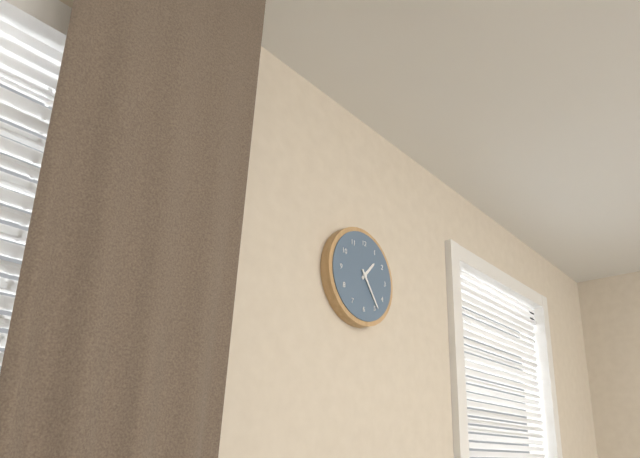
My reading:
1h24
